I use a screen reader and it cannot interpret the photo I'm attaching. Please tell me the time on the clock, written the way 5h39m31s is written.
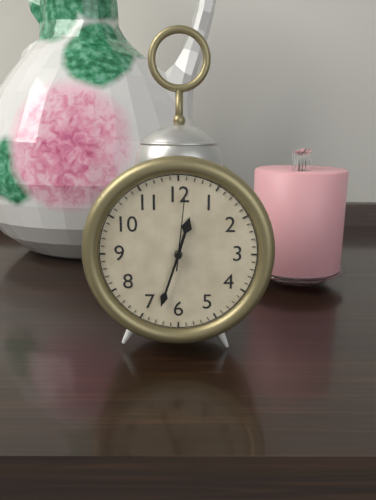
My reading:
12h33m01s
